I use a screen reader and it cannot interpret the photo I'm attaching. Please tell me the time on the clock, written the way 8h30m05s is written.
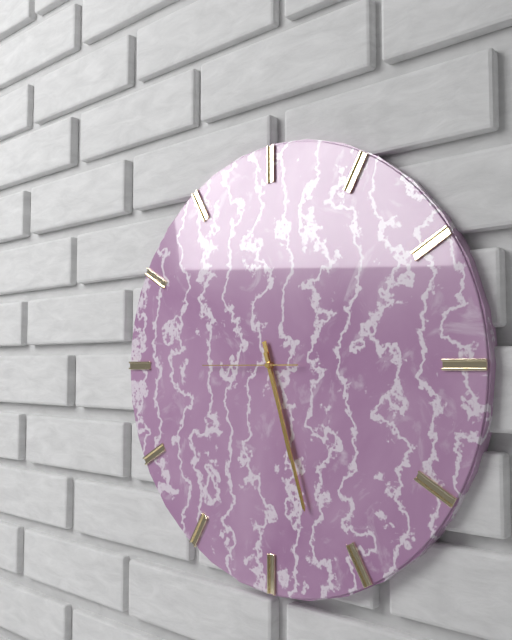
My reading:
5h27m45s
